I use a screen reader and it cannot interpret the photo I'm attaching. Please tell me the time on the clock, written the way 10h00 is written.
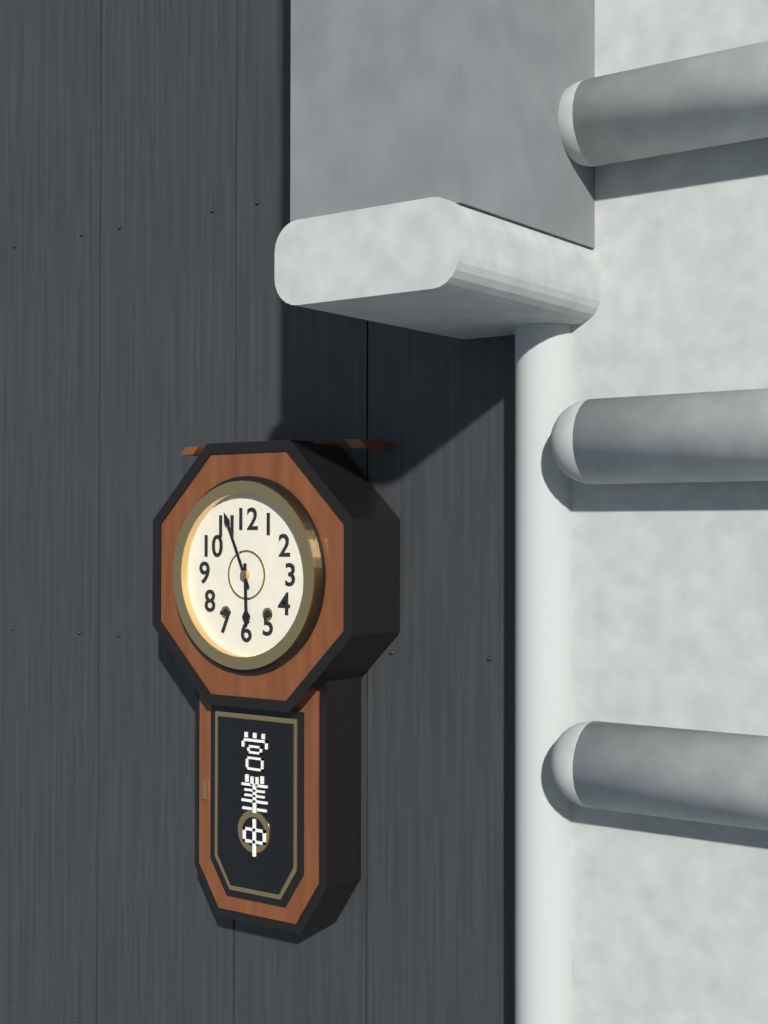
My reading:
5h56
